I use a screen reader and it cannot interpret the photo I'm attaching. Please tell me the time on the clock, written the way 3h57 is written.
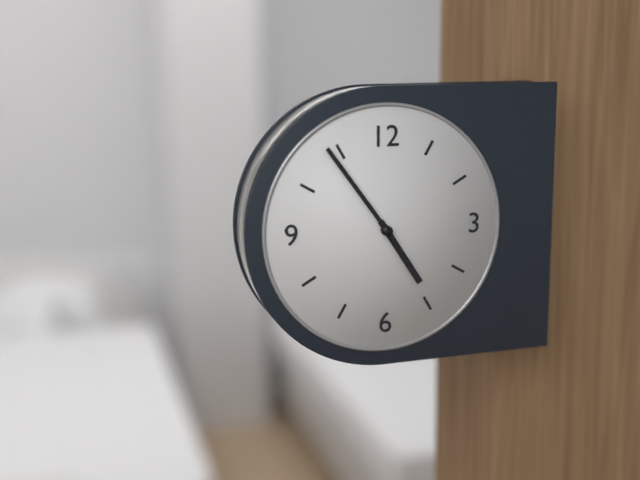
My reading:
4h54
